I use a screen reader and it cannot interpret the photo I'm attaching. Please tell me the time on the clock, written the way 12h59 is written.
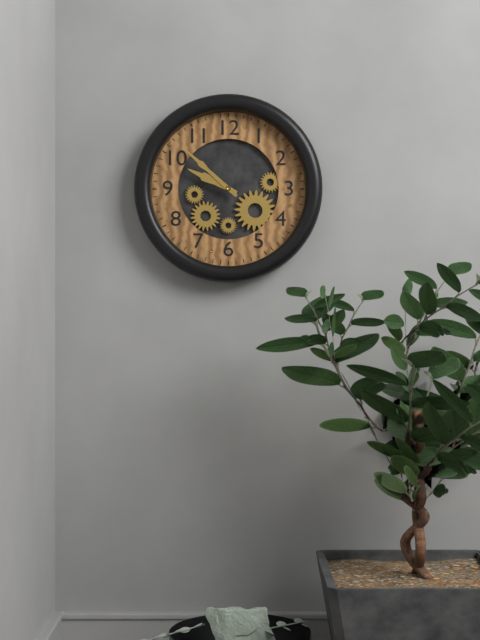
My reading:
9h52
